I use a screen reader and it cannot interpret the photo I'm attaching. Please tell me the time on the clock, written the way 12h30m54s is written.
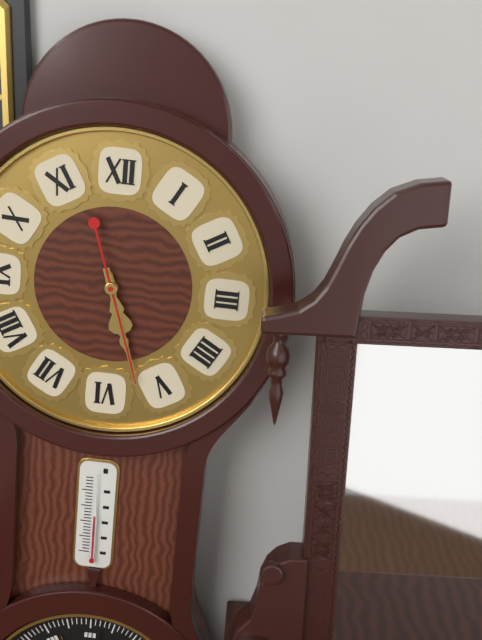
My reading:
5h27m27s
